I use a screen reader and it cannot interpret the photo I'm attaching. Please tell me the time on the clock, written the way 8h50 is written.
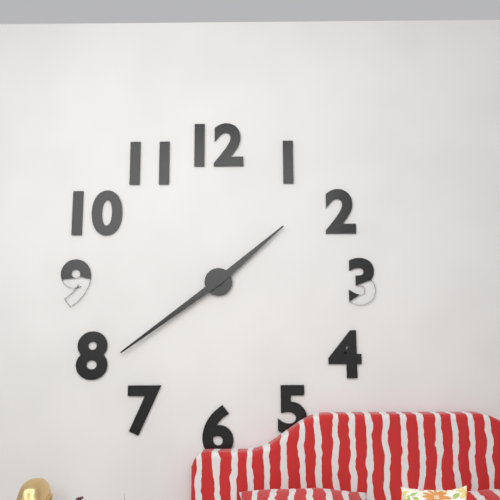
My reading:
1h39
